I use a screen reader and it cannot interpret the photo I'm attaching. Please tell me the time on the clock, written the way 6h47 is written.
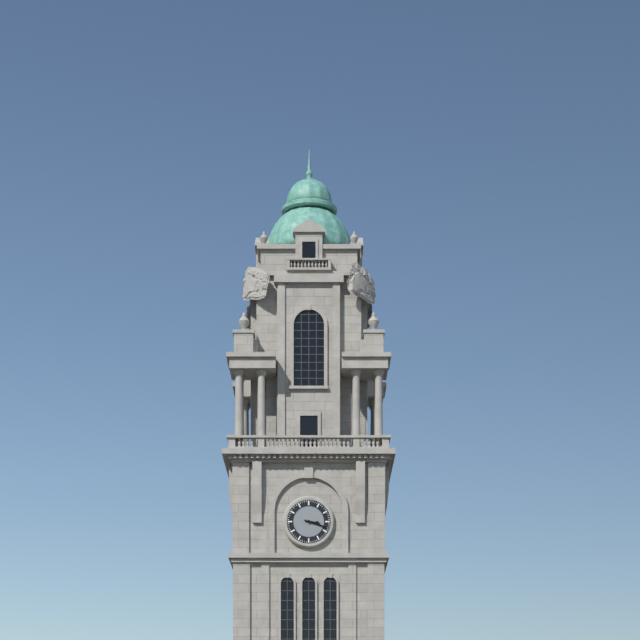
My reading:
3h18
